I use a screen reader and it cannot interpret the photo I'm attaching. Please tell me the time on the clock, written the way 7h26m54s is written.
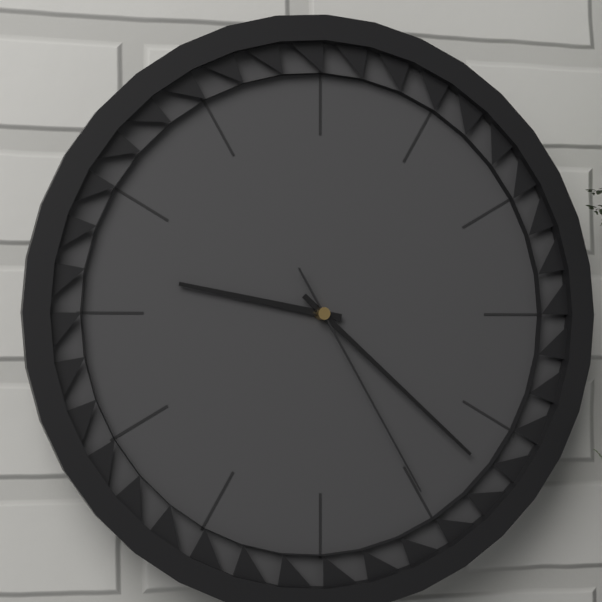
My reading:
9h22m25s
